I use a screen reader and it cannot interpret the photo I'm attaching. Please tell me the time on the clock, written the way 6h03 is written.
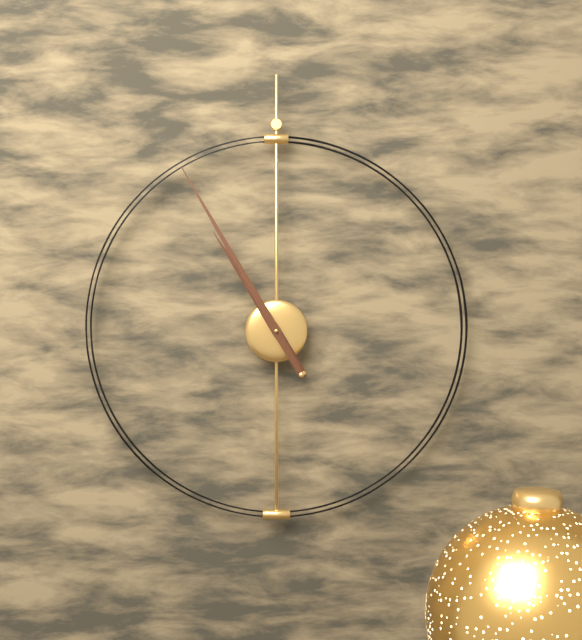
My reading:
10h55
